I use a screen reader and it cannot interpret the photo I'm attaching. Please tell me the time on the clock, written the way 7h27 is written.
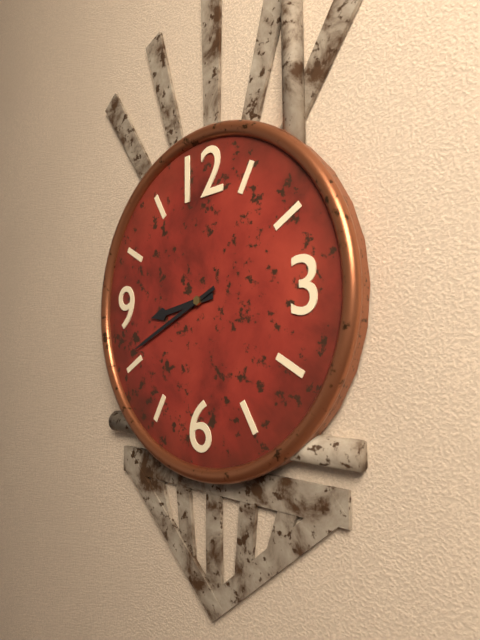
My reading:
8h41
